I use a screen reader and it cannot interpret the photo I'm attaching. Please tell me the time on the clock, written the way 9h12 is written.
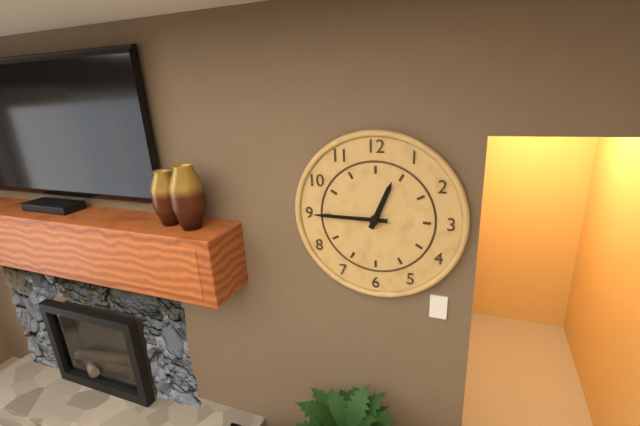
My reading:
12h45
